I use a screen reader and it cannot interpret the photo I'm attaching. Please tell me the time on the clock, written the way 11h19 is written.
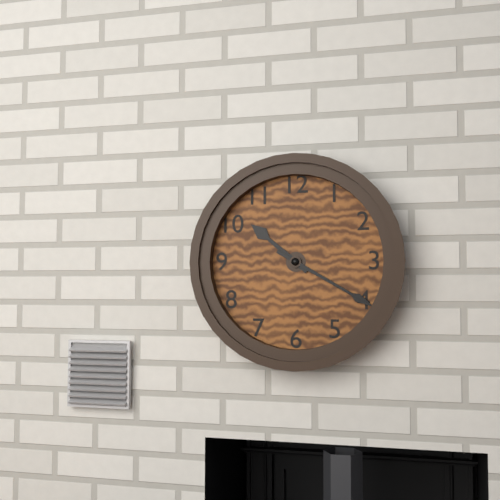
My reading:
10h20
